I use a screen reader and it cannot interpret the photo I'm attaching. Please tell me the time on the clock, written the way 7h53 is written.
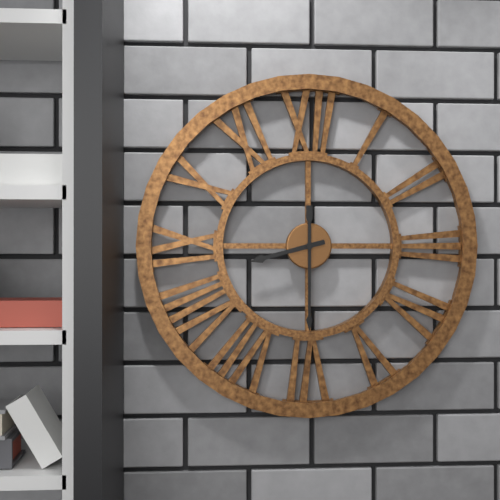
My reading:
8h30
